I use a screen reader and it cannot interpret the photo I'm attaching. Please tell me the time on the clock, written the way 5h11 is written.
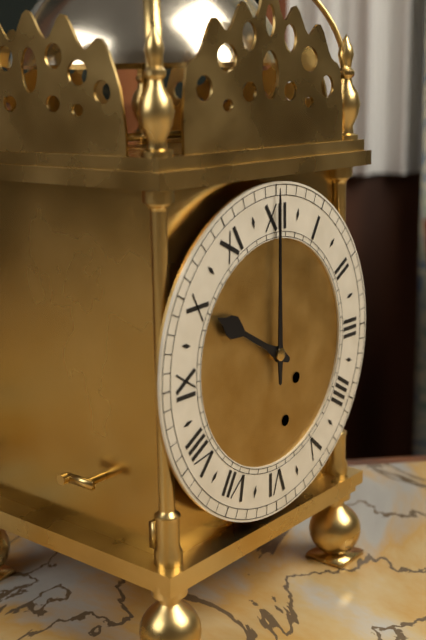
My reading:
10h00
